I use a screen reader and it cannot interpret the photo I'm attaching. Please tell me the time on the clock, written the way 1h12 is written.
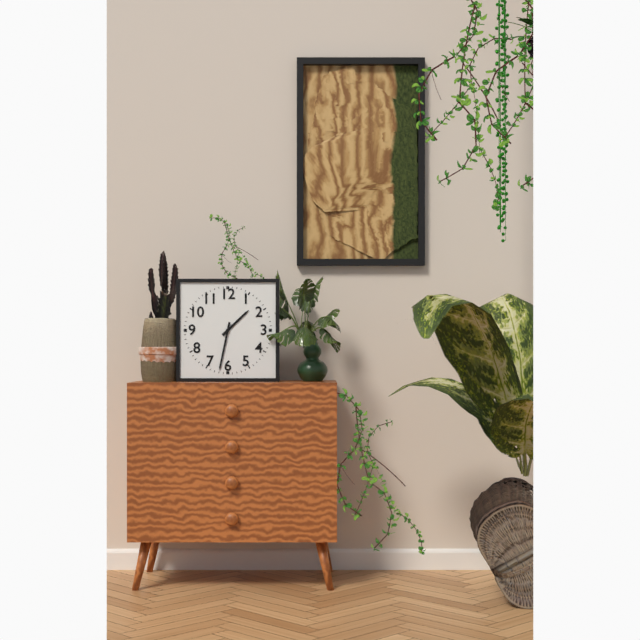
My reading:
1h32
